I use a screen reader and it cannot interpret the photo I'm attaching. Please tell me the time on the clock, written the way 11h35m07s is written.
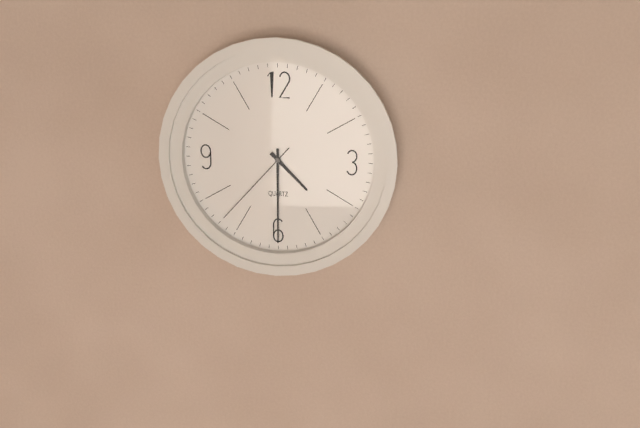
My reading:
4h30m37s
